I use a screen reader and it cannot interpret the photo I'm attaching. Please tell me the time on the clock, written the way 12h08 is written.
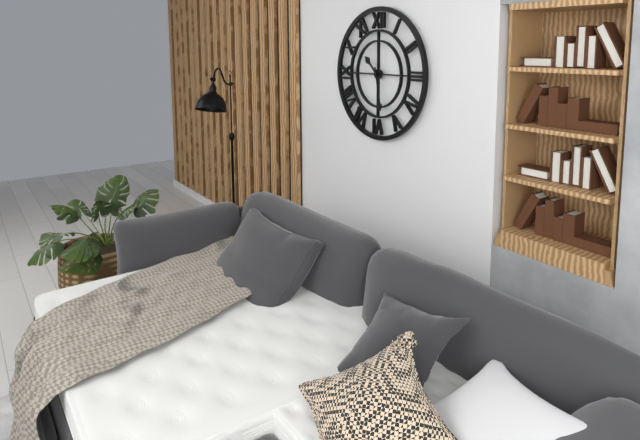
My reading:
10h28
